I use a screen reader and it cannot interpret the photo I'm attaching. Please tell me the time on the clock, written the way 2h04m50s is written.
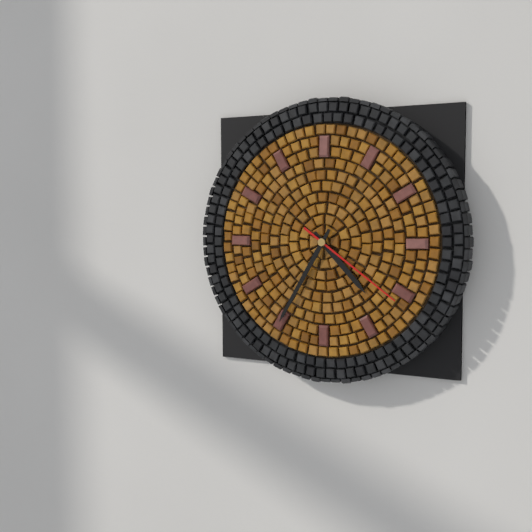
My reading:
4h35m21s
